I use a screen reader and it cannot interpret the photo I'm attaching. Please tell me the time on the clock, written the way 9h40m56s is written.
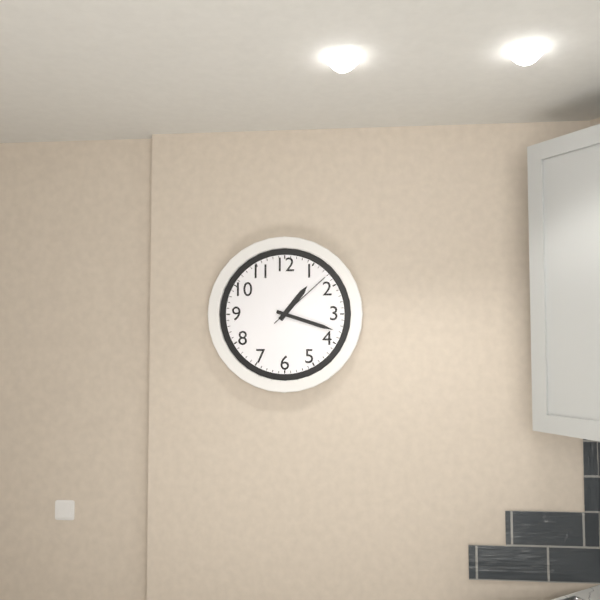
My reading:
1h18m08s
